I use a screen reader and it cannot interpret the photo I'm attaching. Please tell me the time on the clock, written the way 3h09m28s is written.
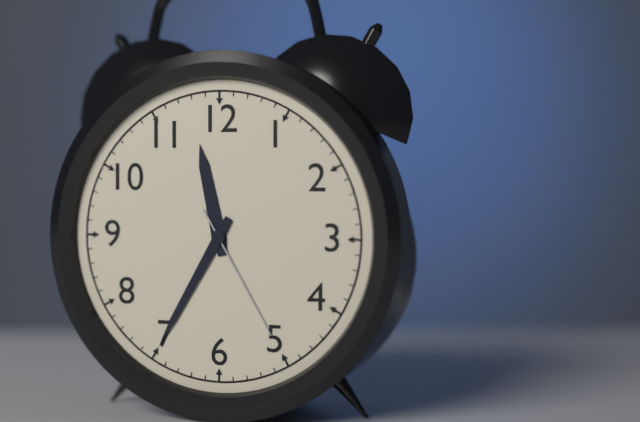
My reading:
11h35m25s
